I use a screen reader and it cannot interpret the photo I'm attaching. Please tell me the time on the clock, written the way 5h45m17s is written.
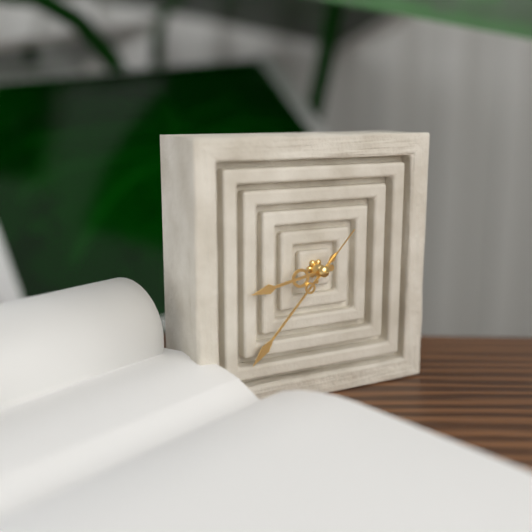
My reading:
8h37m07s
